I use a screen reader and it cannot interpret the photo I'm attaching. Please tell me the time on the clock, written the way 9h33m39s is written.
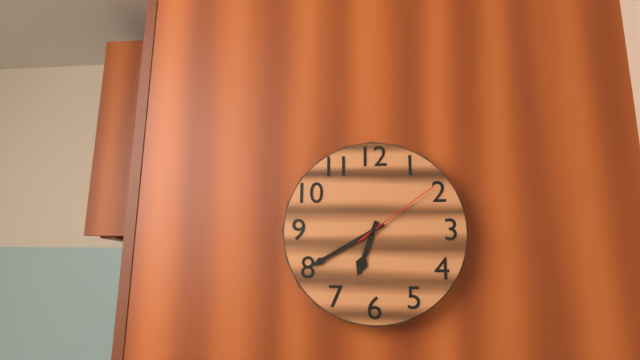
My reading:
6h40m09s
